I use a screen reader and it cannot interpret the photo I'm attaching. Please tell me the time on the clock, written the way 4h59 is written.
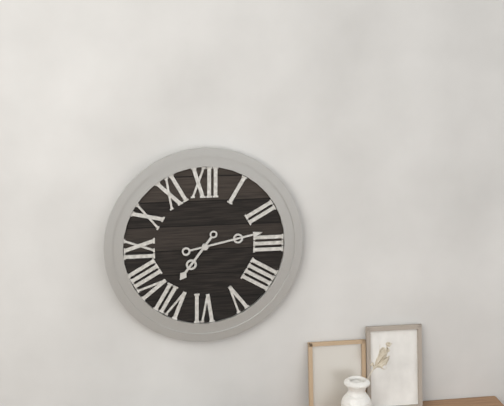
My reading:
7h13
